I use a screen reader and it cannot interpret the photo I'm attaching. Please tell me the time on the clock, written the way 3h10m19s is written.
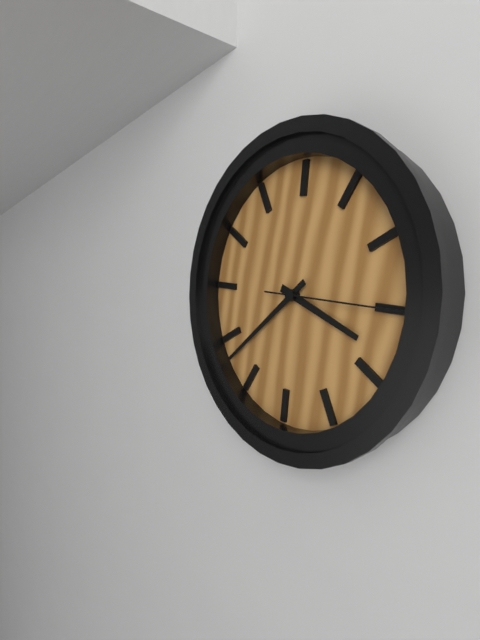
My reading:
3h38m15s
